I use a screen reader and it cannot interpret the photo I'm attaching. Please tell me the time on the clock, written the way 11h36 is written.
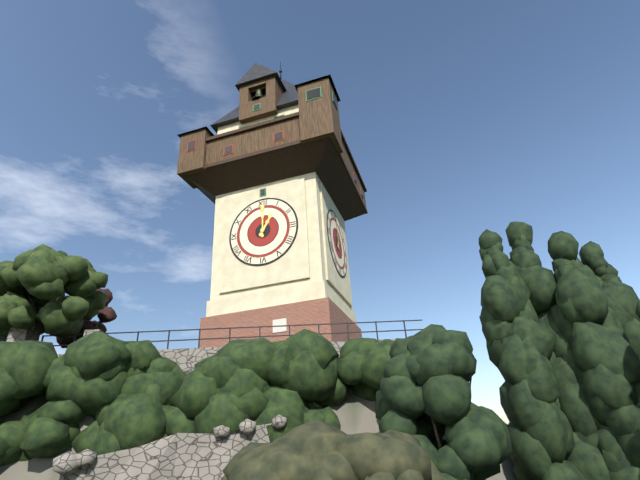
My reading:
1h00
